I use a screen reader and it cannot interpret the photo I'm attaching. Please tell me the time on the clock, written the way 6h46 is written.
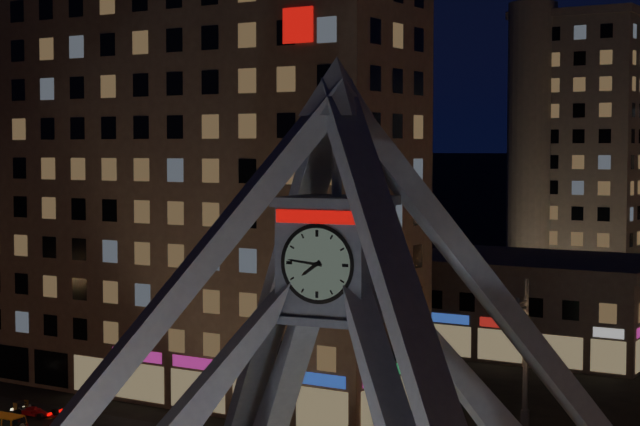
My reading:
7h46
